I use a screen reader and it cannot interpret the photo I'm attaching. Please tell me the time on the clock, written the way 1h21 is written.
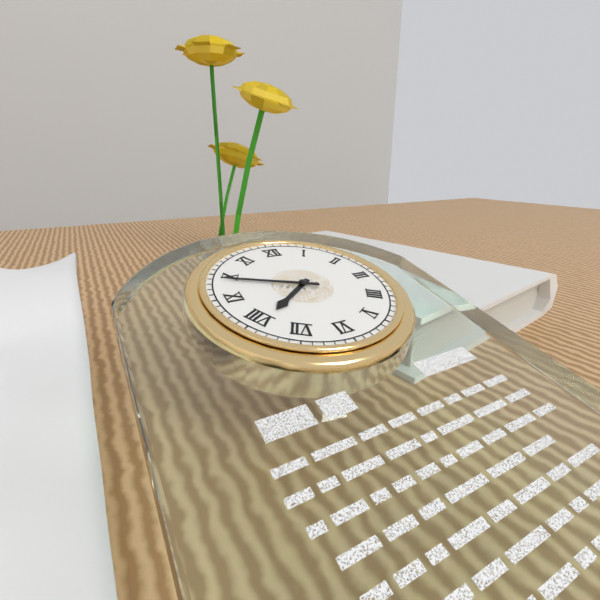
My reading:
7h49
